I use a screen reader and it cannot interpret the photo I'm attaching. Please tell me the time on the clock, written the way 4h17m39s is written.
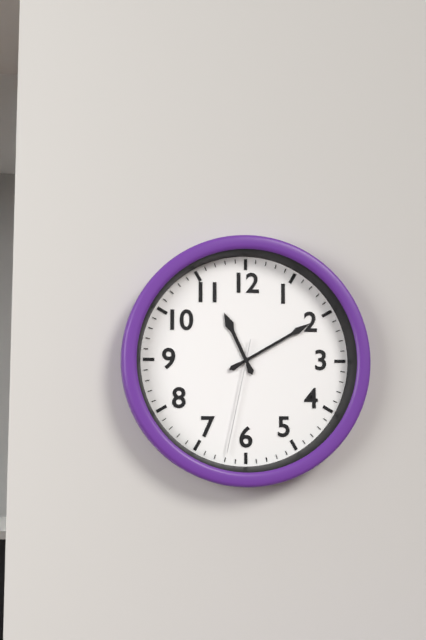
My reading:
11h10m32s
